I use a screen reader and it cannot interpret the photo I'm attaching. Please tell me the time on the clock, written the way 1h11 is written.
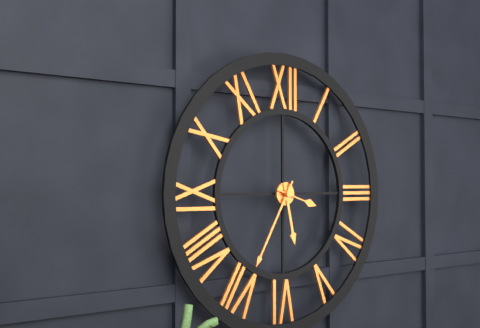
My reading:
5h35
